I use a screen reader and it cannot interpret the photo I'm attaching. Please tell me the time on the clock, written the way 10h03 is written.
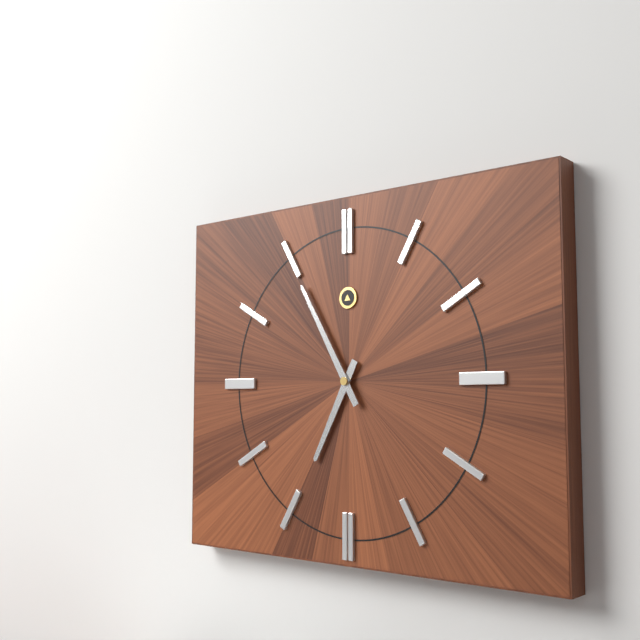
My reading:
6h55
